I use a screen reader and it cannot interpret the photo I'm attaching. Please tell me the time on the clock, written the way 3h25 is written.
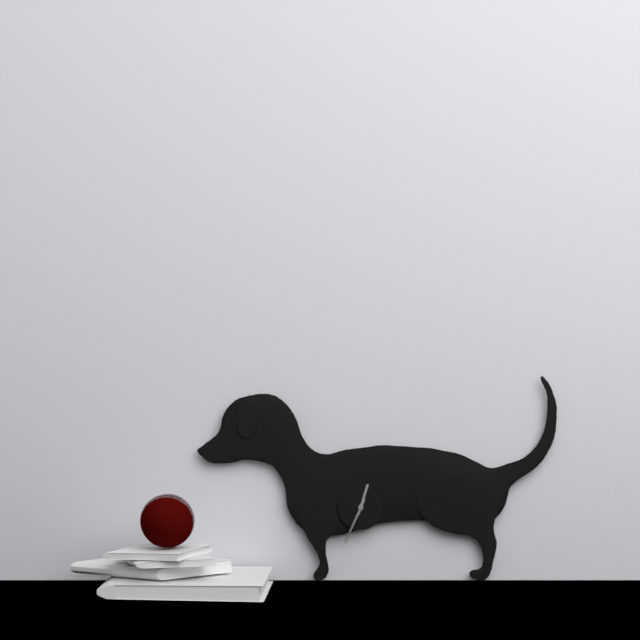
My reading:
12h34
